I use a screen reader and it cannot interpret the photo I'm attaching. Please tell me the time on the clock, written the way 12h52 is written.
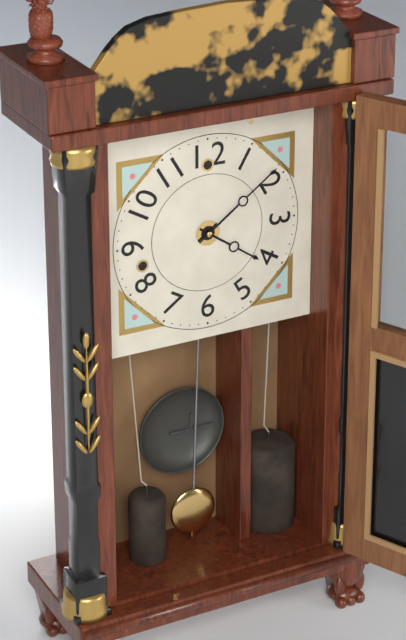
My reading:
4h09
